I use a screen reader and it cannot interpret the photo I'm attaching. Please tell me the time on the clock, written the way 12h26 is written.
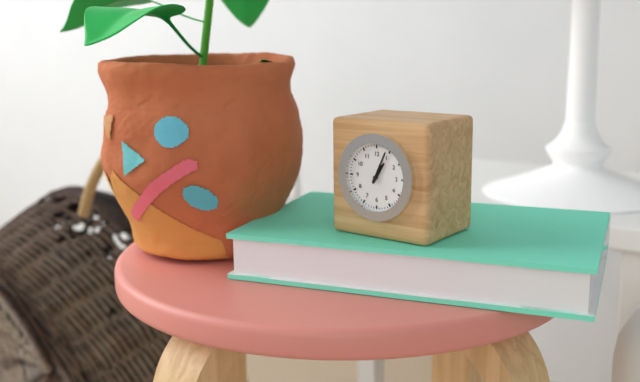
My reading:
1h04
